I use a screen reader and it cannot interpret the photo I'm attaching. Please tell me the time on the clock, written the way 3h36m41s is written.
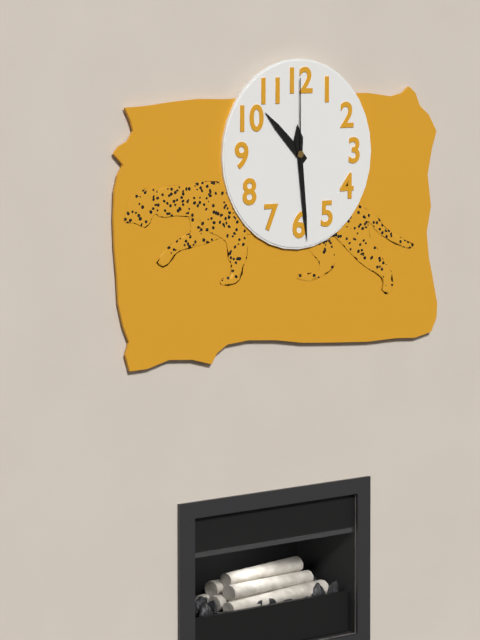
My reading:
10h29m00s
